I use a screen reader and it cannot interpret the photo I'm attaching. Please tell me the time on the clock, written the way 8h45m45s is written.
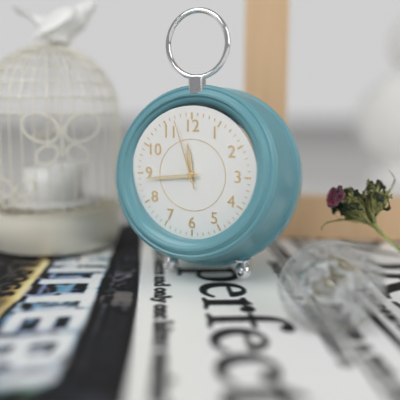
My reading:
11h44m57s
